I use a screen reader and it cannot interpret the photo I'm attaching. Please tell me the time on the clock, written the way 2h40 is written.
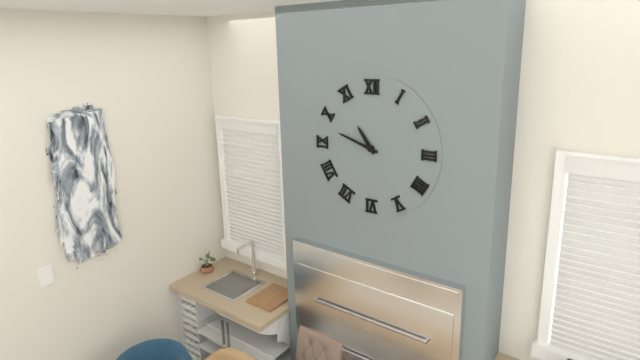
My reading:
10h48
